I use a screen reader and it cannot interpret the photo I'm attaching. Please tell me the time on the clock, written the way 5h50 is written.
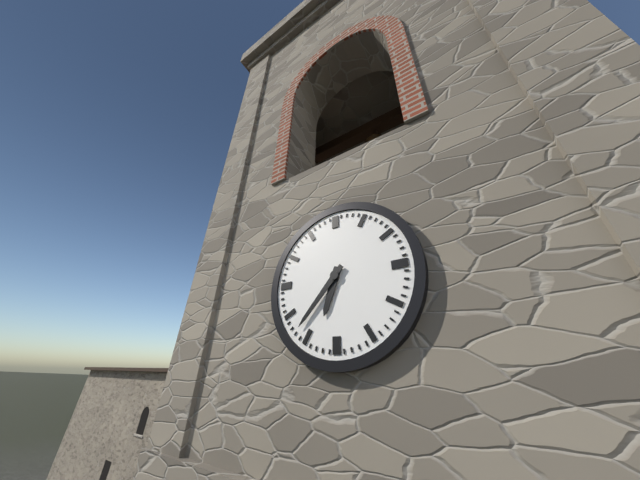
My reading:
6h37
